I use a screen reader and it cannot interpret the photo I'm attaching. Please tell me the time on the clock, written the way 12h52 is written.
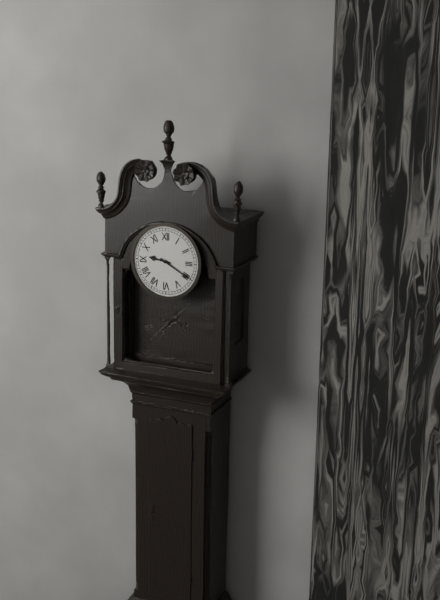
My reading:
9h20
